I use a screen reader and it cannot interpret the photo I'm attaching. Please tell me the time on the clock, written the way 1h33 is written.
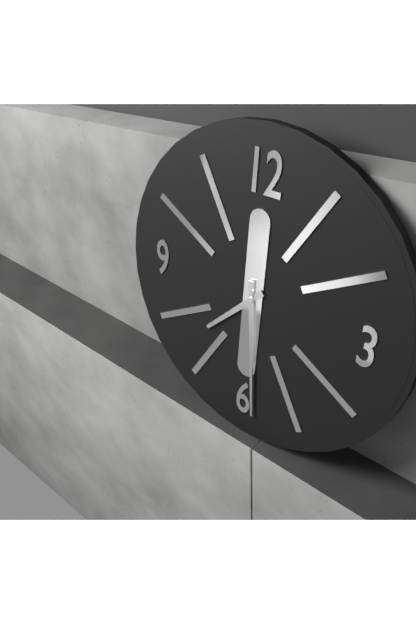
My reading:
7h29
